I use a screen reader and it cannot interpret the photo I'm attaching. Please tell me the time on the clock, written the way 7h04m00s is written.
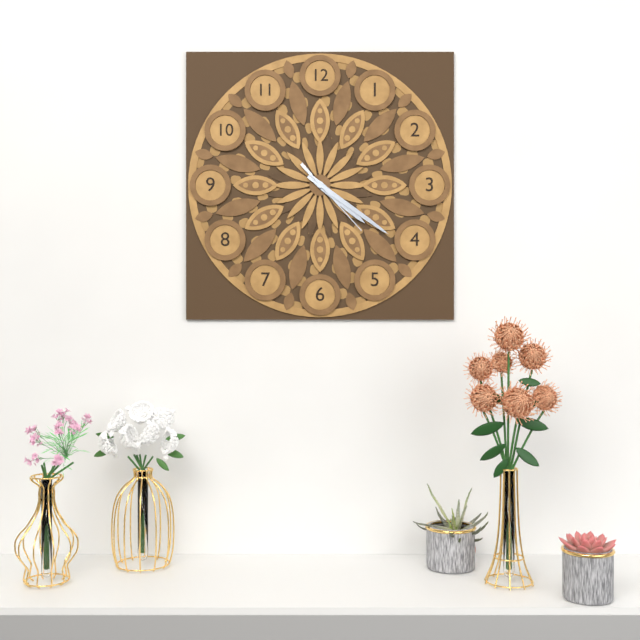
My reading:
4h21m23s
